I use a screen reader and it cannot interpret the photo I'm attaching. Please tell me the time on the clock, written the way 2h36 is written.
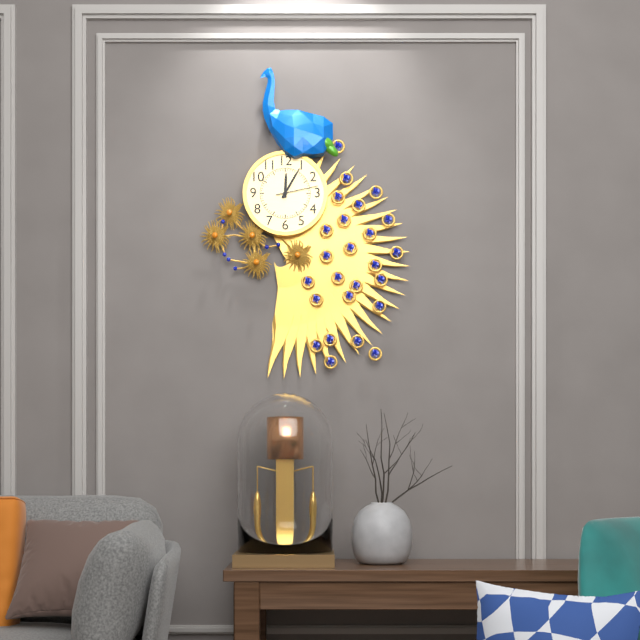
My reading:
12h05
